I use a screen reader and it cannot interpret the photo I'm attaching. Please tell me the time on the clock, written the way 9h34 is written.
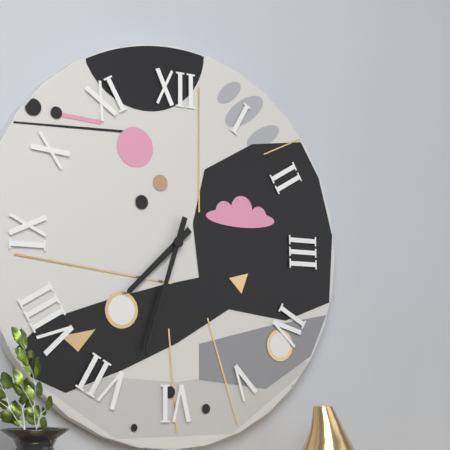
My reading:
7h33
